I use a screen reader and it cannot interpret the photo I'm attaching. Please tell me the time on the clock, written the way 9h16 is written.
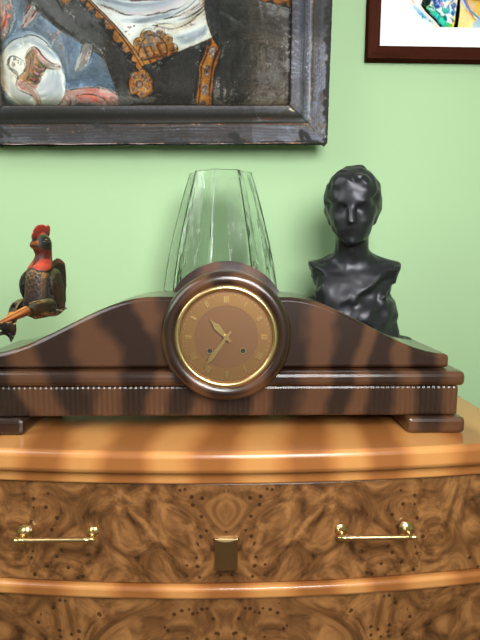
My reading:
10h36
